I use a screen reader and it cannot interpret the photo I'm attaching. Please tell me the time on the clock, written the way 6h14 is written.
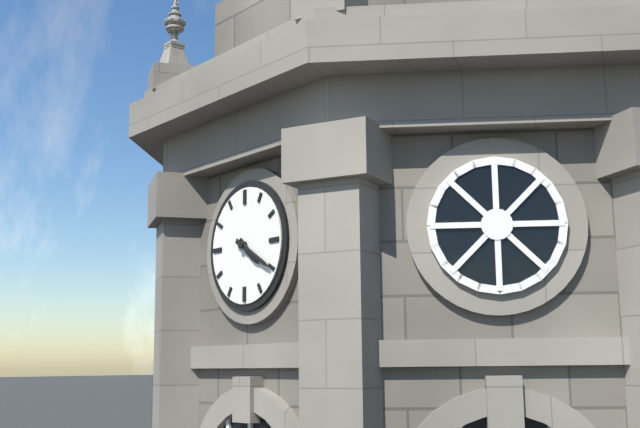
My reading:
4h20
